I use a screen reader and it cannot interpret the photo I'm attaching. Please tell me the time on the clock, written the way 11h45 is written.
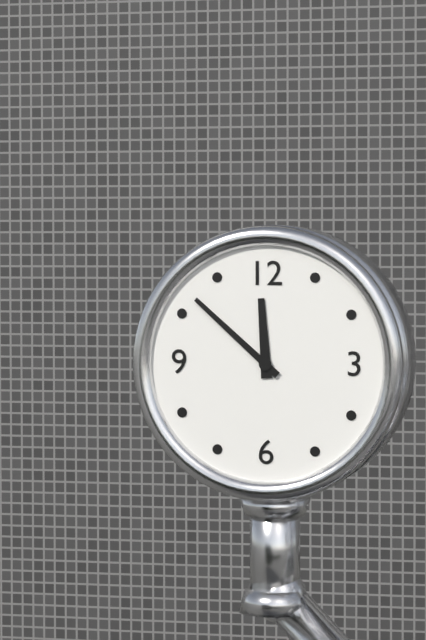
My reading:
11h52
